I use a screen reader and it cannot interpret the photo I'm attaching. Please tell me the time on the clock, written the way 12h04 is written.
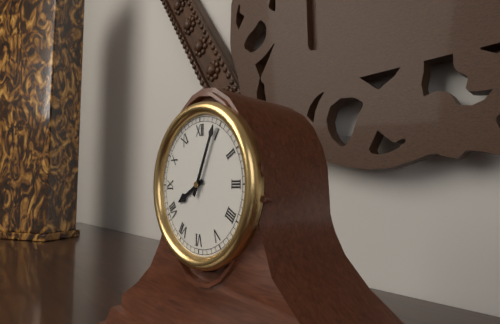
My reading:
8h04
